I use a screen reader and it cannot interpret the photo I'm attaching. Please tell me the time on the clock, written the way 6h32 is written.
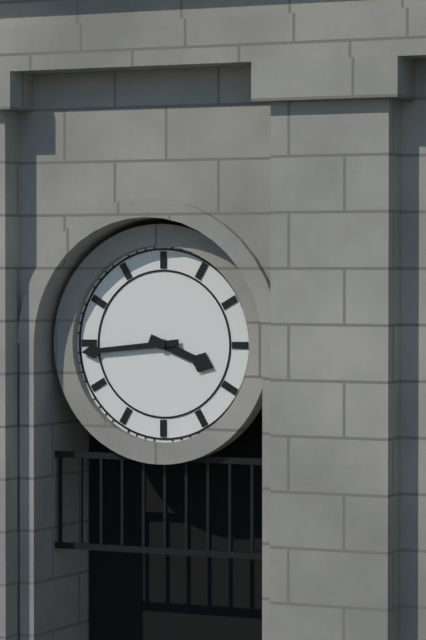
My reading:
3h44
